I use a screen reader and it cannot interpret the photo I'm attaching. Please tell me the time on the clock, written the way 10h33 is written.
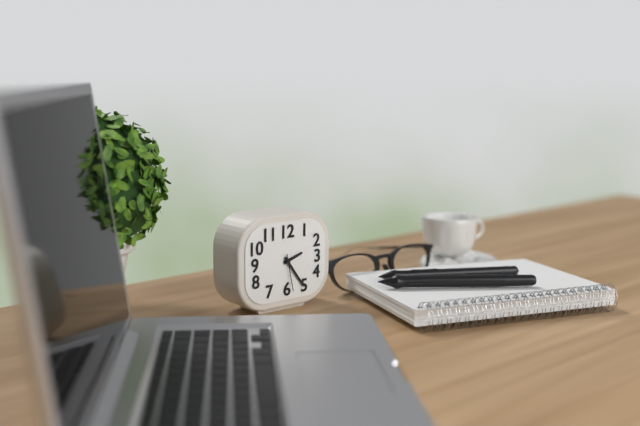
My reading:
2h24
